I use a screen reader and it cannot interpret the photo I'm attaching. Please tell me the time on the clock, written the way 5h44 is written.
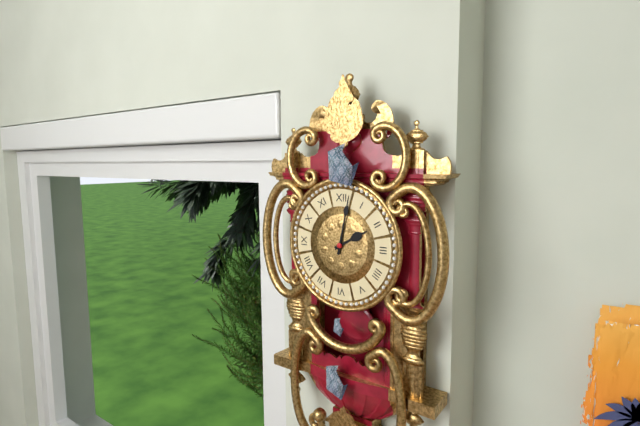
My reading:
2h02
